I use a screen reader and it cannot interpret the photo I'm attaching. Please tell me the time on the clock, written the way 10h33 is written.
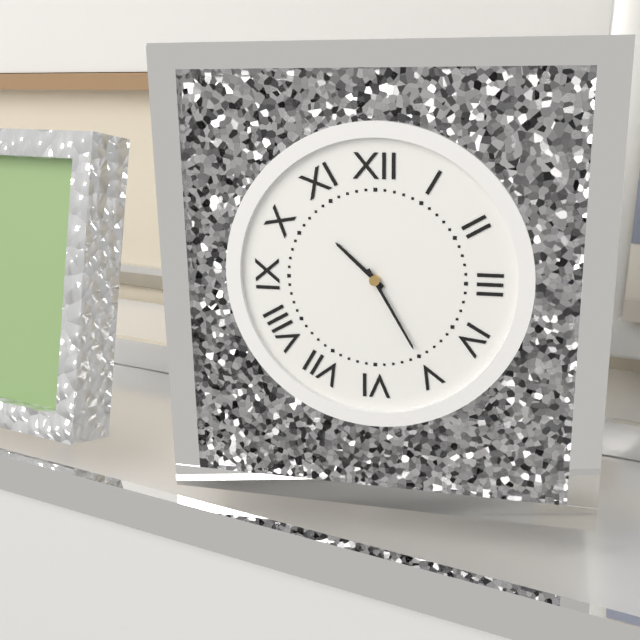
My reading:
10h25
